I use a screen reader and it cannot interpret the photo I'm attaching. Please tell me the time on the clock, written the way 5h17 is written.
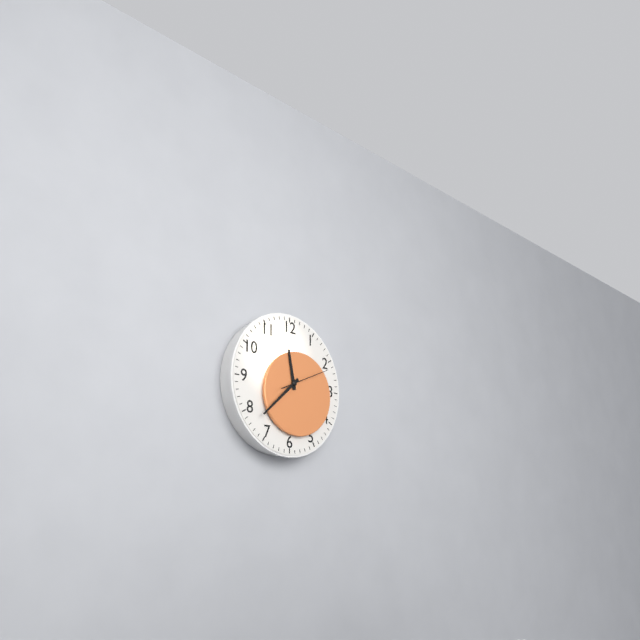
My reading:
11h38
